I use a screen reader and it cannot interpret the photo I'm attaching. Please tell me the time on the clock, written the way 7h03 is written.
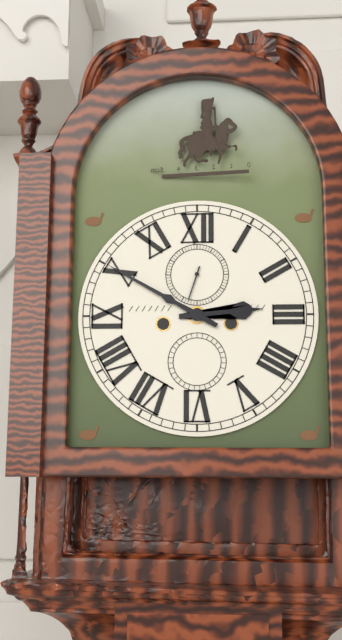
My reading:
2h50
